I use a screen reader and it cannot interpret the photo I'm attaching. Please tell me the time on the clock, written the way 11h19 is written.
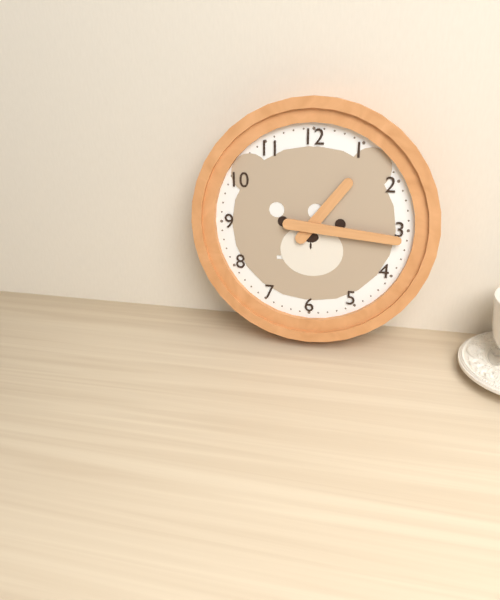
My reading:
1h16
